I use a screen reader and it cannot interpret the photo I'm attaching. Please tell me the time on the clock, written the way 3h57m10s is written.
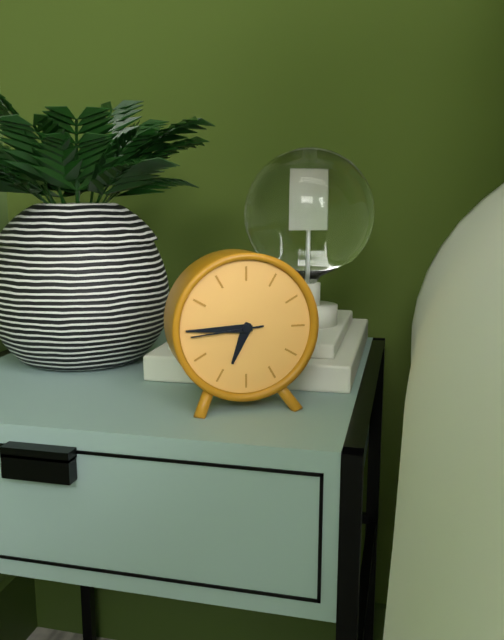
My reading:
6h45m44s
